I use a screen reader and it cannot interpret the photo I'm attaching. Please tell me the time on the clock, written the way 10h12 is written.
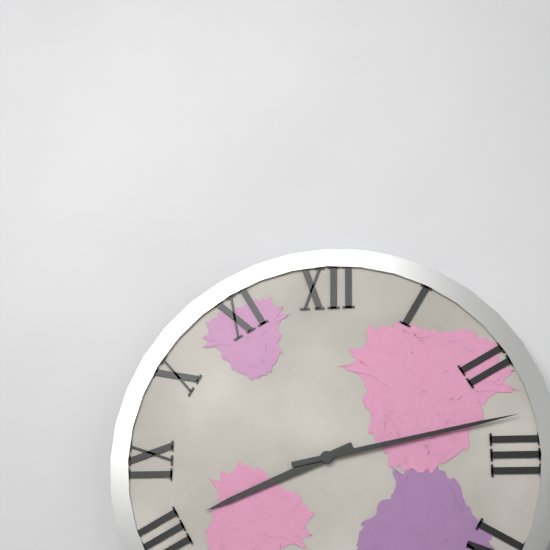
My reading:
8h13
